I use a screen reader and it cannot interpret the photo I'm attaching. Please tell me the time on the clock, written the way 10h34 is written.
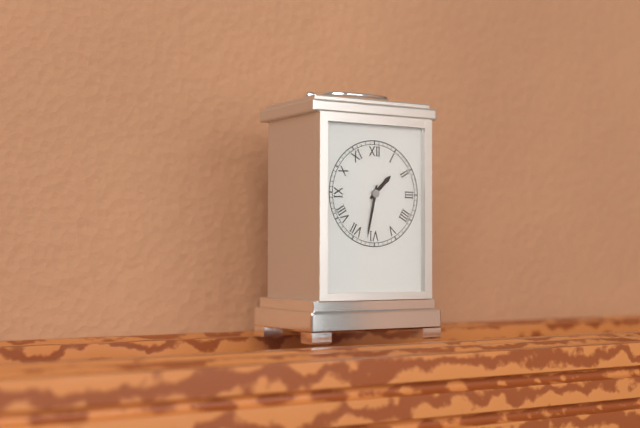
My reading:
1h32
